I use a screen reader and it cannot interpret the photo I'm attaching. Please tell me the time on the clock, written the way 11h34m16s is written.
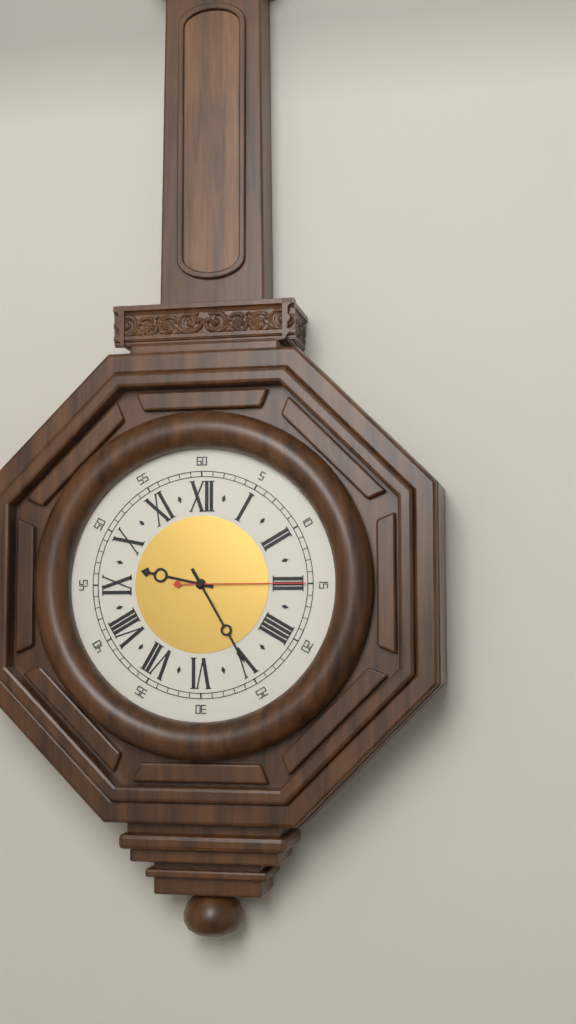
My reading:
9h25m15s
